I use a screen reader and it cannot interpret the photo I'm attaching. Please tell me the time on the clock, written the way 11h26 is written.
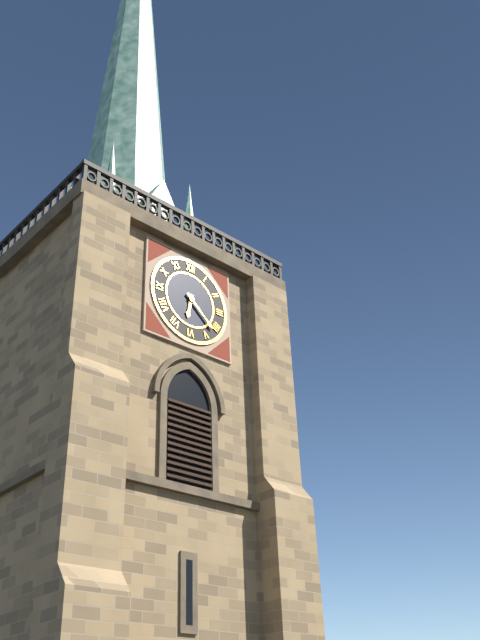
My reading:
6h22
